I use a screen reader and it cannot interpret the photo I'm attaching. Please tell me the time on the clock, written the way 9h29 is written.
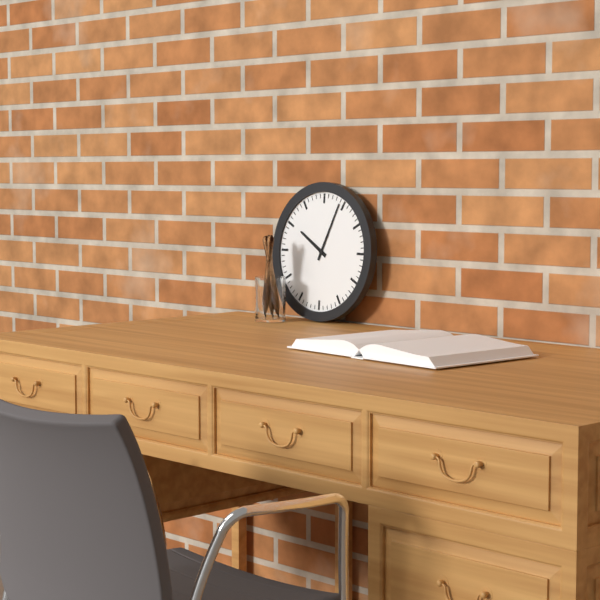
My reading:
10h04
